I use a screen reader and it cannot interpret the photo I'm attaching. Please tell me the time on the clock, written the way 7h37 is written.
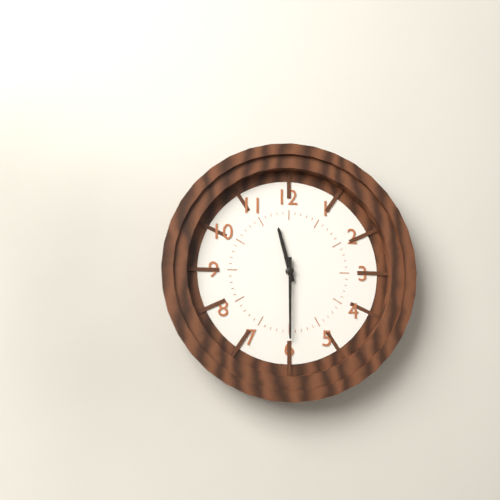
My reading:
11h30
